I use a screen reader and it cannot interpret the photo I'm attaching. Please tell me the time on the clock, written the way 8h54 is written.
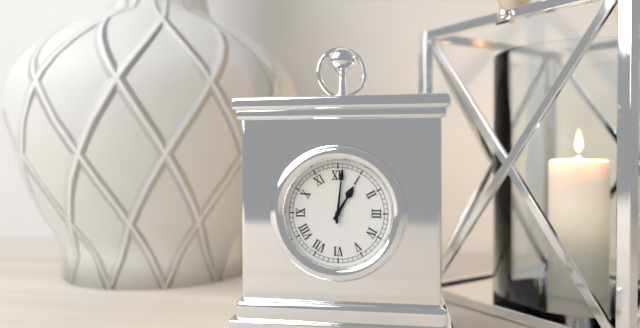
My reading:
1h01
